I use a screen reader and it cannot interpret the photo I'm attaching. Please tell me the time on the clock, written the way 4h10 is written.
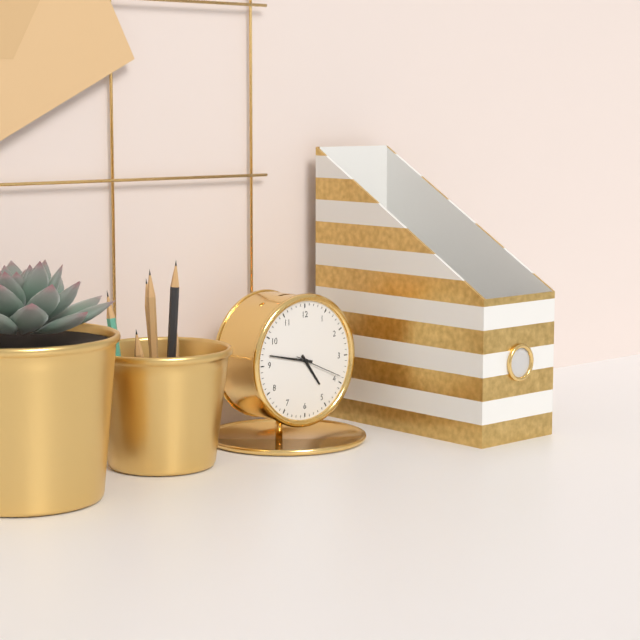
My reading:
4h47
